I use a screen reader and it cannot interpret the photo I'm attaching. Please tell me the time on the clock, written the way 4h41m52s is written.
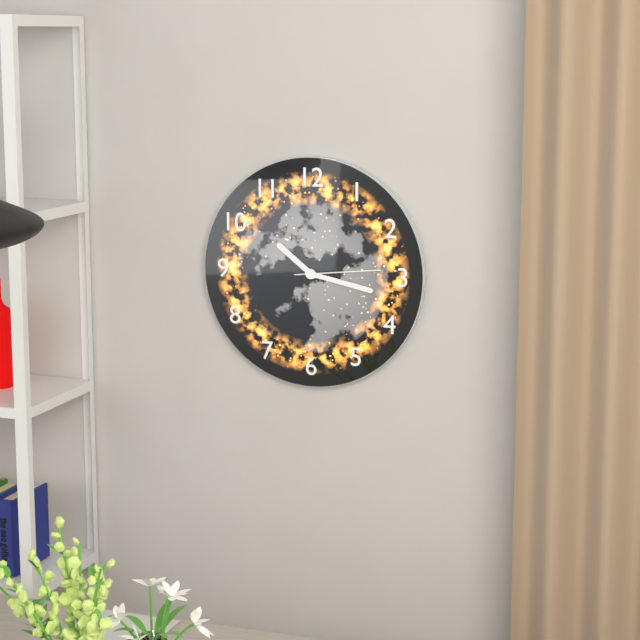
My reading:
10h17m14s
